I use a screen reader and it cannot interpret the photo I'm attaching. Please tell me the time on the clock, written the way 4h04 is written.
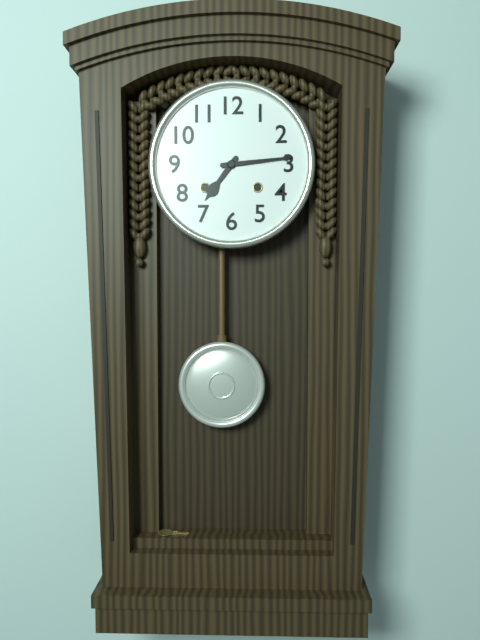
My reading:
7h14
